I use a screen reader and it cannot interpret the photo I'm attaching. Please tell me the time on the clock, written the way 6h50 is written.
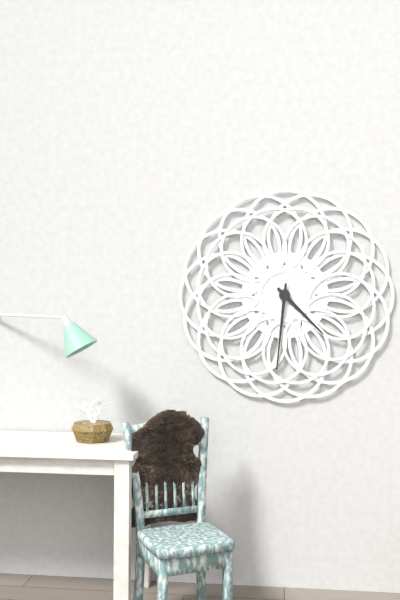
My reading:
4h31
